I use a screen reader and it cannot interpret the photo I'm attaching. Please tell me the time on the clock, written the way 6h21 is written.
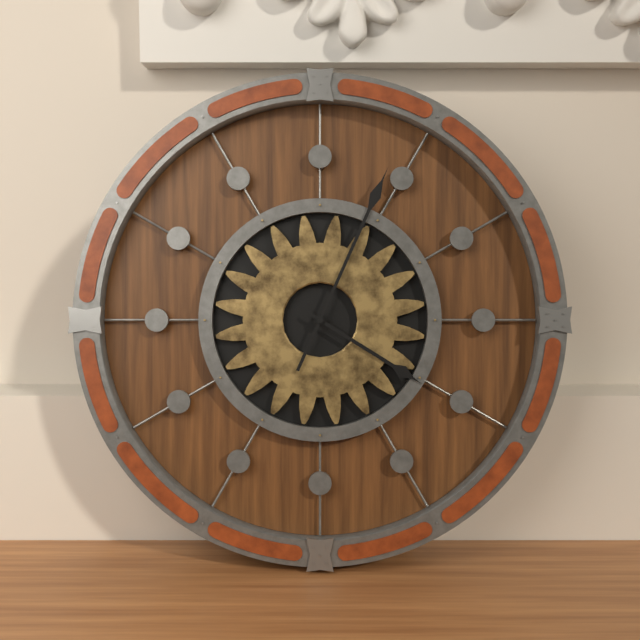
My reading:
4h04
